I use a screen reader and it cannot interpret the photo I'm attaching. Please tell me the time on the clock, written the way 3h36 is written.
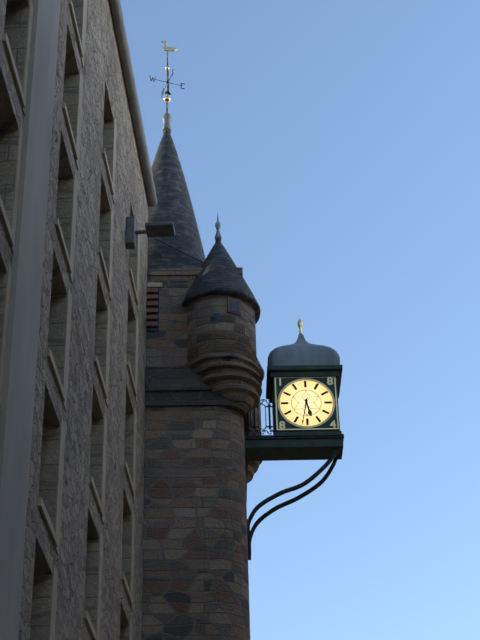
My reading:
5h32
